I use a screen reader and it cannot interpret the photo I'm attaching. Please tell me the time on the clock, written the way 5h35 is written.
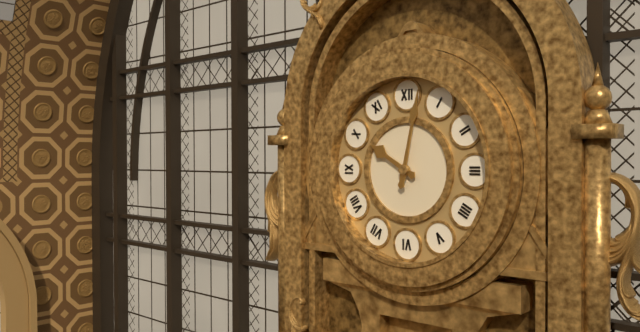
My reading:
10h02
